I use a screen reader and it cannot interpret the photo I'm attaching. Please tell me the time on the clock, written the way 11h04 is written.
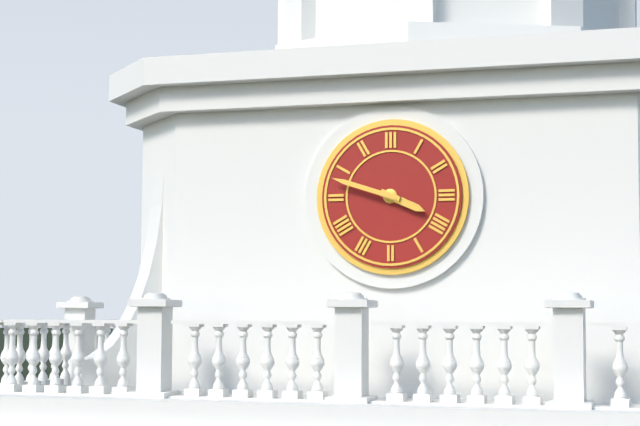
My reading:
3h48
